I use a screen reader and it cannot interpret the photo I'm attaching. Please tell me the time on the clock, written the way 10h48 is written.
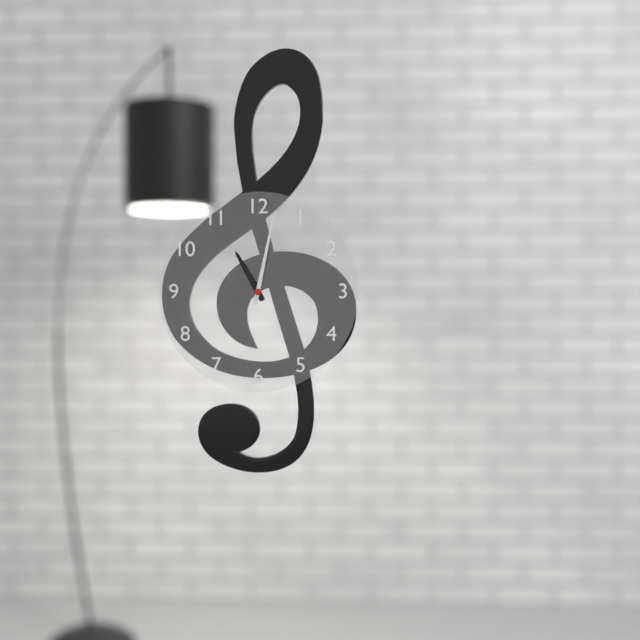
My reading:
11h02
